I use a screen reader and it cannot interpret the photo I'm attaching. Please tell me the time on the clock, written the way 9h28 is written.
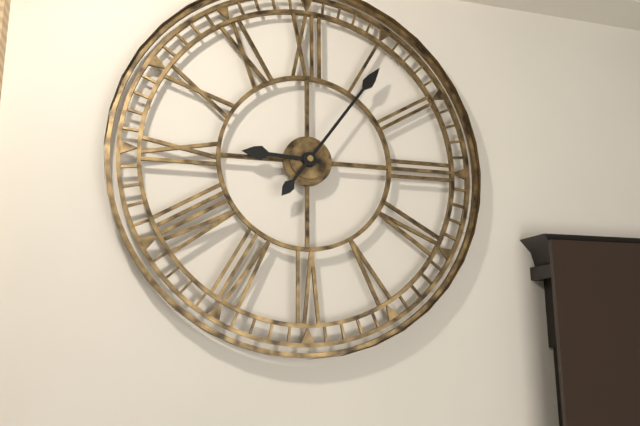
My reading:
9h06
